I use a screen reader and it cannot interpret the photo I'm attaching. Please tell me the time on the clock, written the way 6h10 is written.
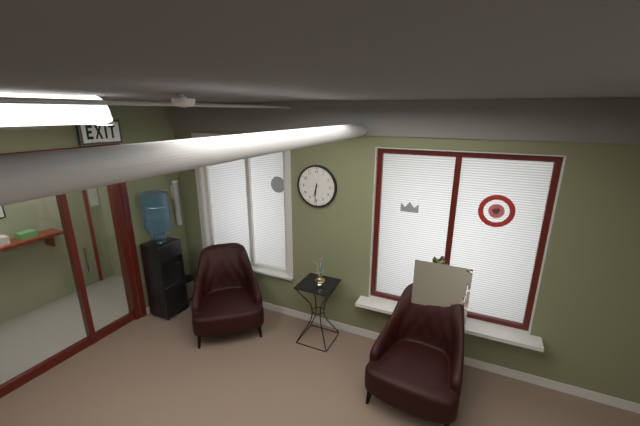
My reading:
6h31
